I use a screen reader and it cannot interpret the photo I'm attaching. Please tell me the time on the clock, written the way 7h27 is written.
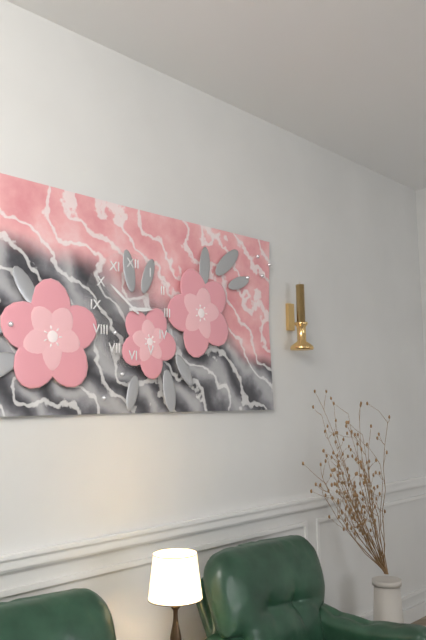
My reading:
2h51
